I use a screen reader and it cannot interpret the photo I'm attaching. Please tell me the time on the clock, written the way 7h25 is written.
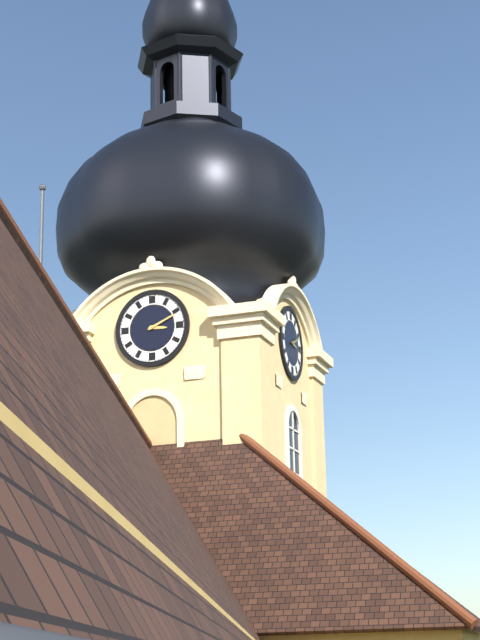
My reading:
3h11
